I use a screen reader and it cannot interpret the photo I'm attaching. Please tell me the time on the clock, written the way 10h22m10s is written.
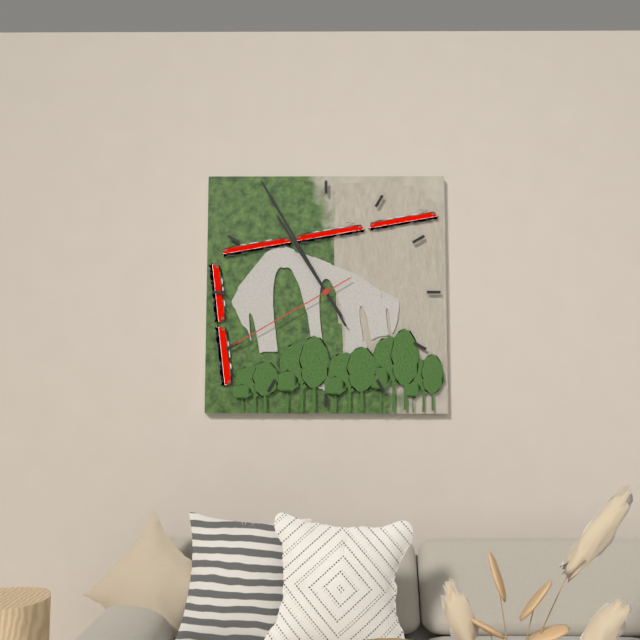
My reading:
10h55m40s
